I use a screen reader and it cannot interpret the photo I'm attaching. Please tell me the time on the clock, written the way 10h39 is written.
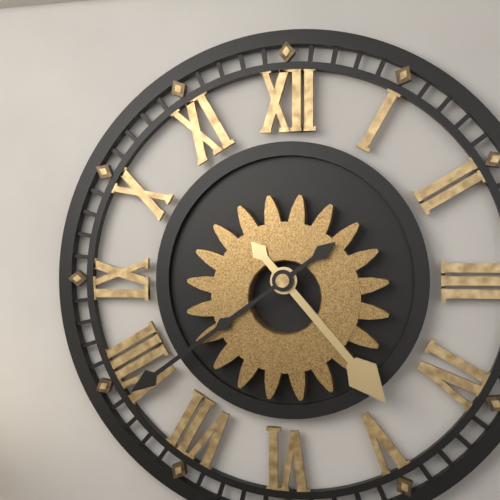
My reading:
4h39
